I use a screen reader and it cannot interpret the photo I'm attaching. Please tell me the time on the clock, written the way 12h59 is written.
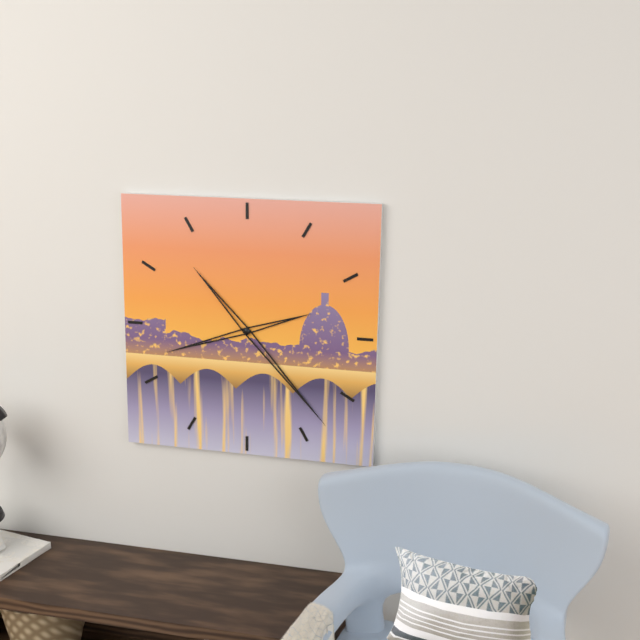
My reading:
8h23
